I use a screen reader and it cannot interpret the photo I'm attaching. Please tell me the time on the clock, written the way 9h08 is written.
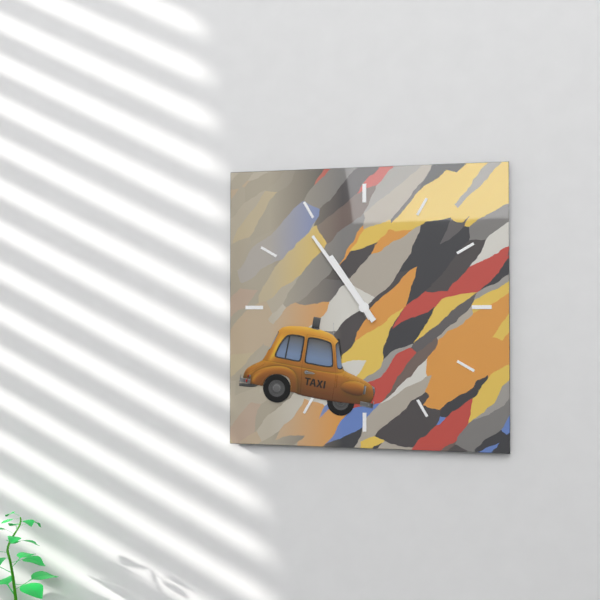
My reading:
10h54
